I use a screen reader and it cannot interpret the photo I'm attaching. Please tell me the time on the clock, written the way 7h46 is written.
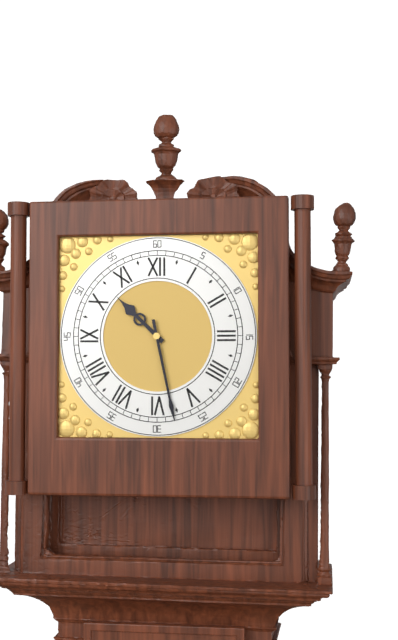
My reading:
10h28
